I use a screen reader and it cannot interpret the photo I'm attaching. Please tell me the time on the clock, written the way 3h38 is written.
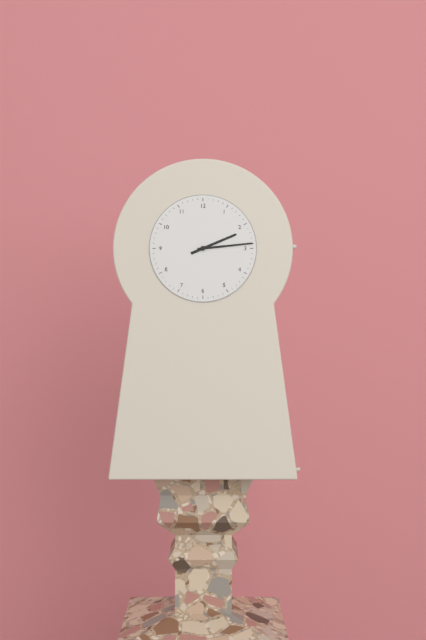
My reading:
2h14
